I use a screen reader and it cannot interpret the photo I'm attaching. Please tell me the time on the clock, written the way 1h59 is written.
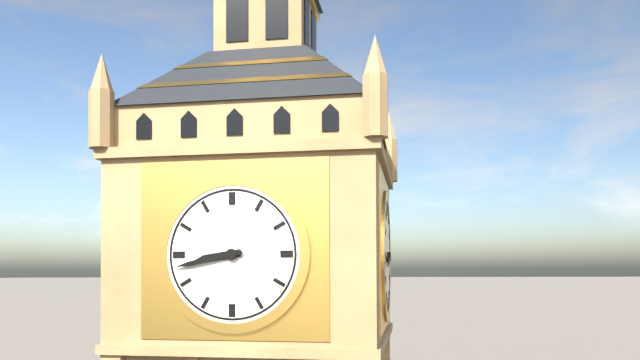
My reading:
8h43
